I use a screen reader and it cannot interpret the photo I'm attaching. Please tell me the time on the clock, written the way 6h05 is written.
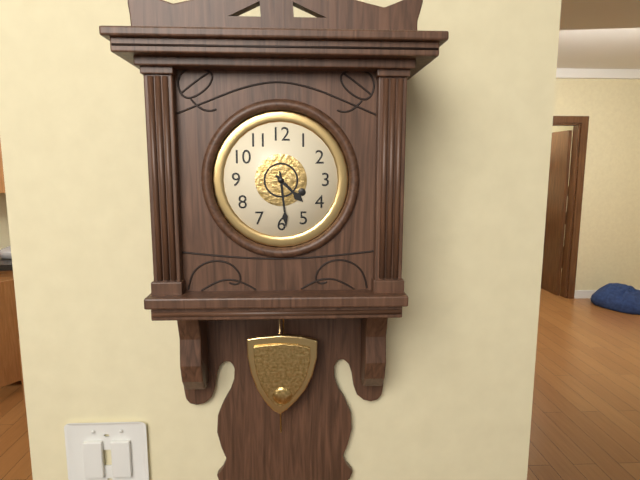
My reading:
4h29
